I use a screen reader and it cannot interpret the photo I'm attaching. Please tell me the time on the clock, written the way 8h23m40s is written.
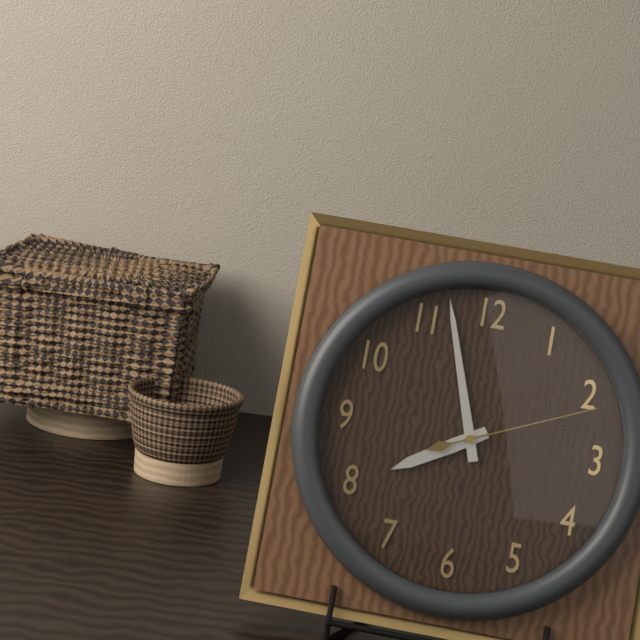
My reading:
7h57m11s
